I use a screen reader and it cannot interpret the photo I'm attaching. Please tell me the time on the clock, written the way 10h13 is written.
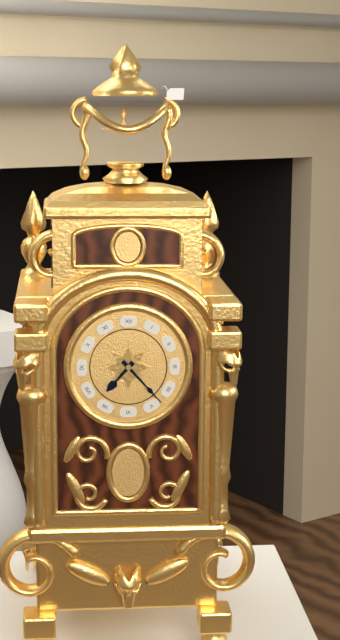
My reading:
7h23
